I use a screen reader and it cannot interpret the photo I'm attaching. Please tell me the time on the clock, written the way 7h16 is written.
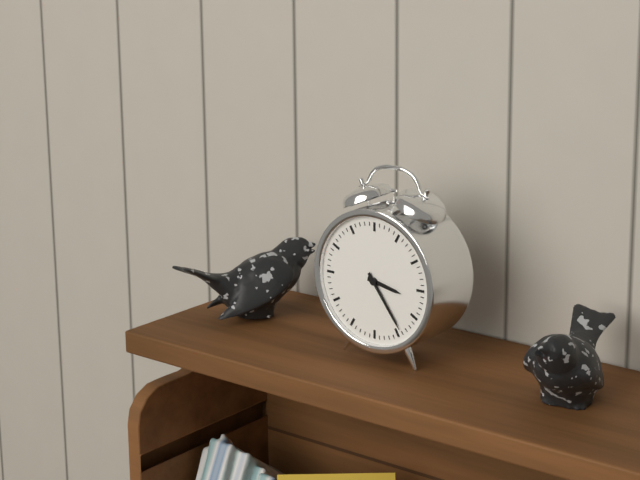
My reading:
3h24
